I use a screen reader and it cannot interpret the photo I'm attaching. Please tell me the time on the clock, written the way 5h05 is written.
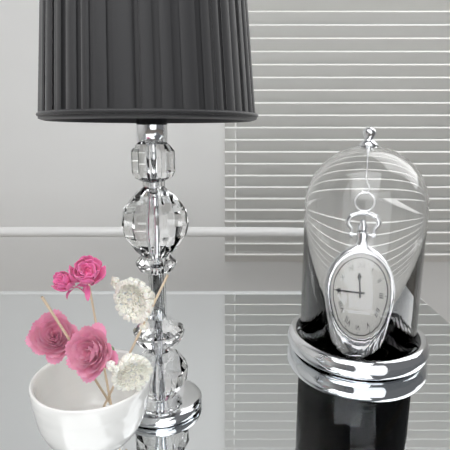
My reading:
11h45
